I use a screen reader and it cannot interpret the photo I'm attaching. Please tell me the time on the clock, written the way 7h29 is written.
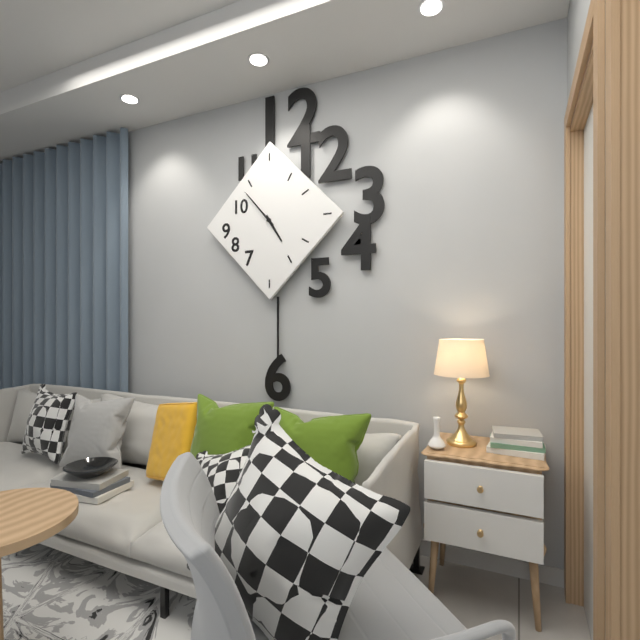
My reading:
4h53
